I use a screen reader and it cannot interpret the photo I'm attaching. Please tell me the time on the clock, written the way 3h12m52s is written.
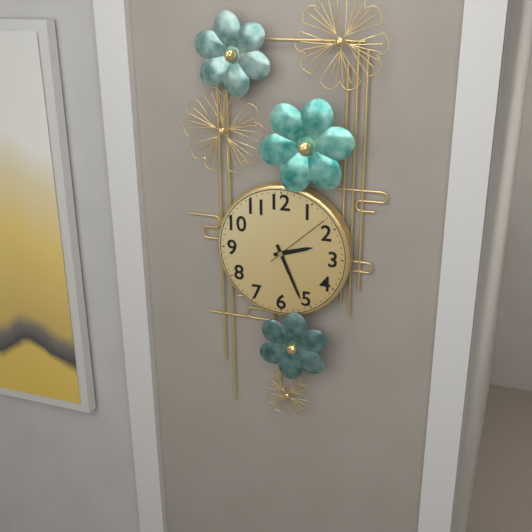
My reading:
2h26m08s
